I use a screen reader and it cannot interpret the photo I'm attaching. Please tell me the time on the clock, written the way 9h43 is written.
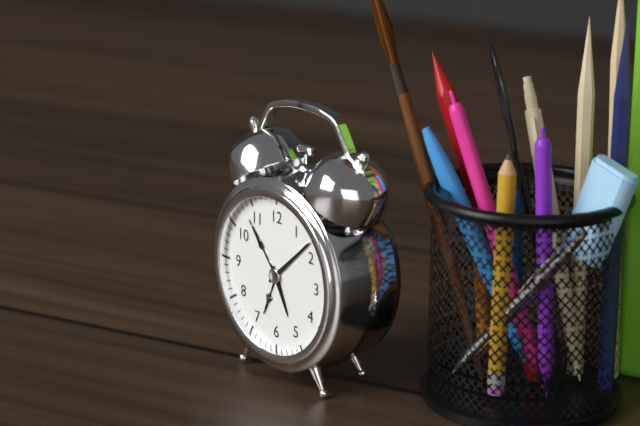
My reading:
5h08
